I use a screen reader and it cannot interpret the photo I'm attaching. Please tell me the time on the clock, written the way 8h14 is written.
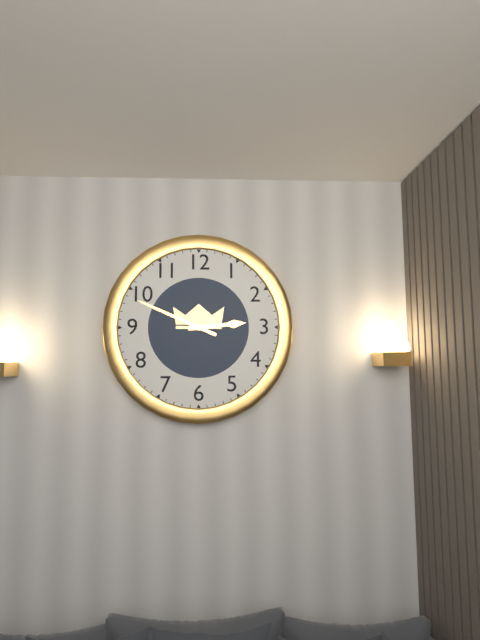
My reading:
2h49
